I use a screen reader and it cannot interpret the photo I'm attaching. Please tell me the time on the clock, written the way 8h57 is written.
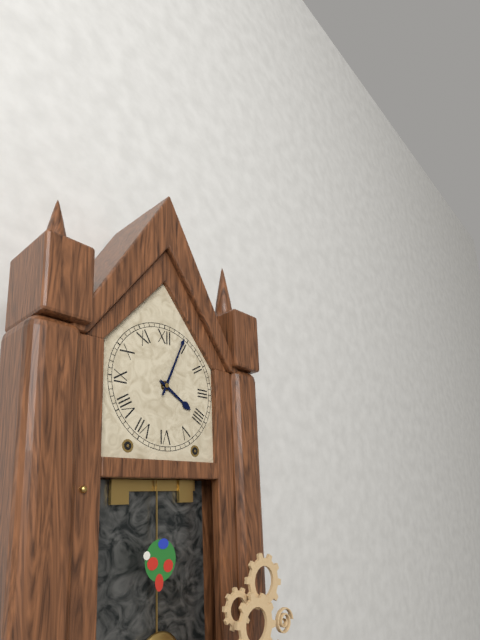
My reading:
4h04
